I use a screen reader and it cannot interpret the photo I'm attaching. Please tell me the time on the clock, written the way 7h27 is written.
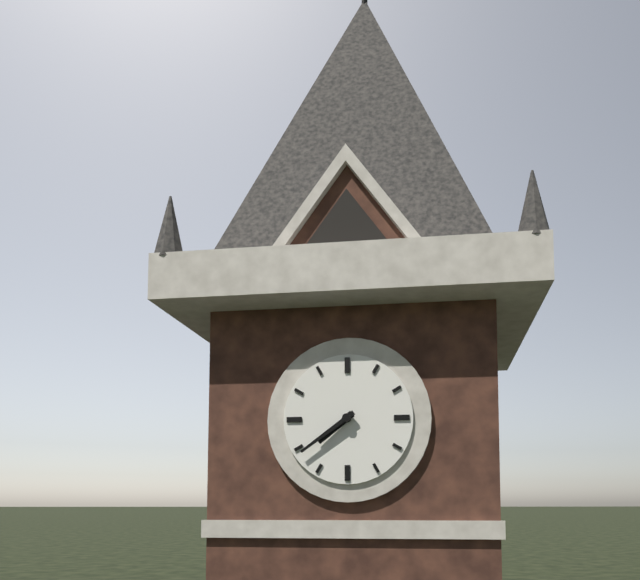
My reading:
7h39
